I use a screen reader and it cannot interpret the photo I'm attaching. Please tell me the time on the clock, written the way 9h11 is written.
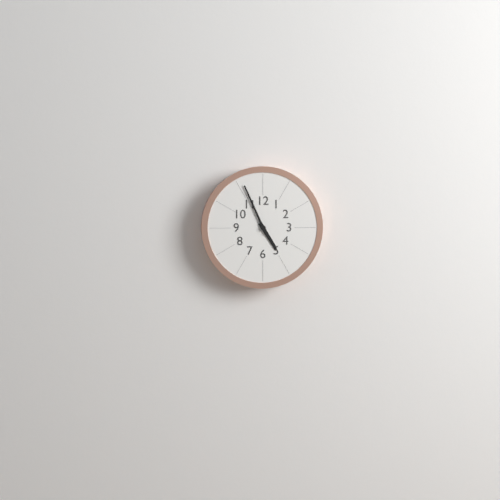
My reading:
4h56
